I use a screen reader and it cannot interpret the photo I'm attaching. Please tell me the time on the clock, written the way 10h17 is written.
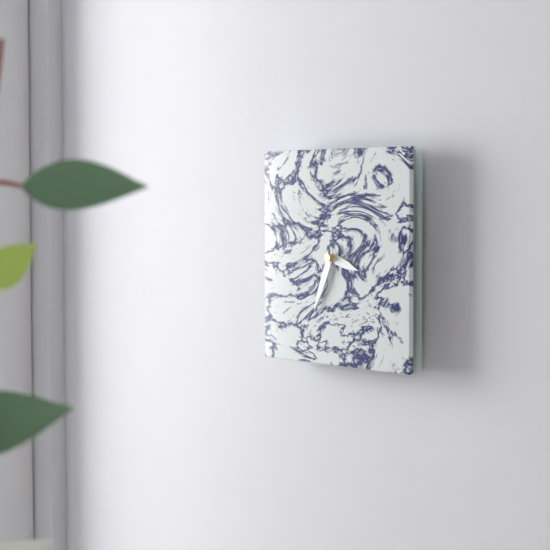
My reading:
3h34
